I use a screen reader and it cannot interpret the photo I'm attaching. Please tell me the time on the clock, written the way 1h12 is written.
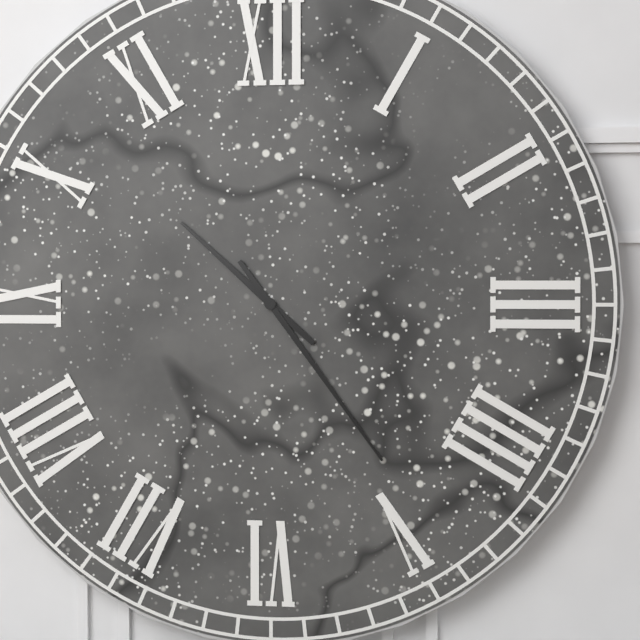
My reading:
10h24
